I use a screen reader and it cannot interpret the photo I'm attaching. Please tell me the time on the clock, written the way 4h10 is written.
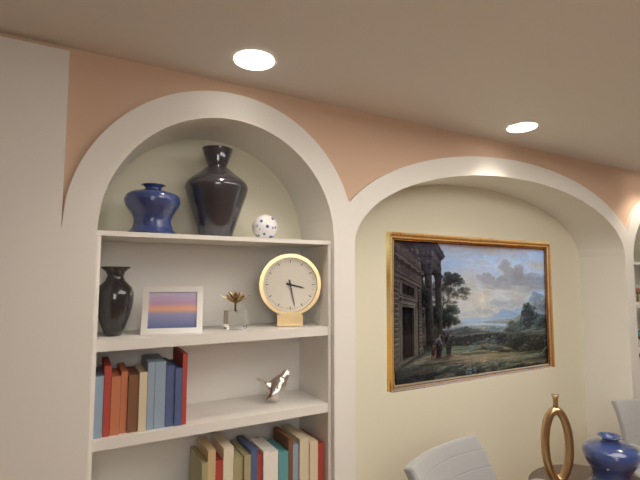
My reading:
3h28
